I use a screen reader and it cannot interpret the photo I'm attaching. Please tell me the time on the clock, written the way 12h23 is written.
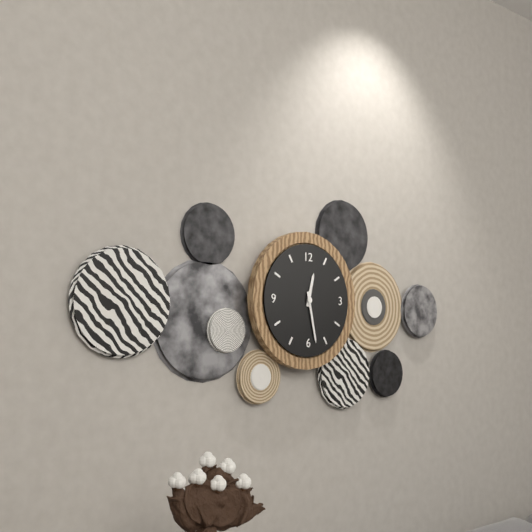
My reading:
12h28
